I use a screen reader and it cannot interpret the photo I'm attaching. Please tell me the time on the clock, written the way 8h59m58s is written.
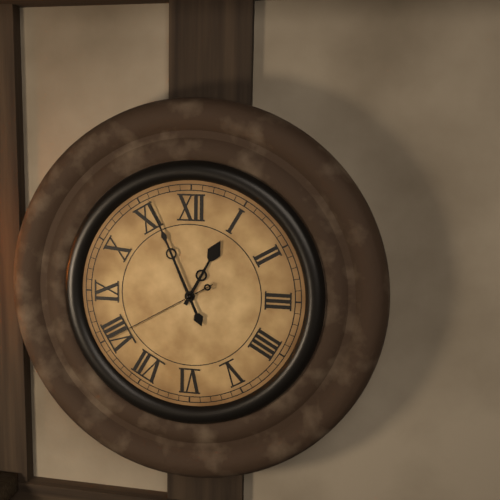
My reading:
12h56m40s
